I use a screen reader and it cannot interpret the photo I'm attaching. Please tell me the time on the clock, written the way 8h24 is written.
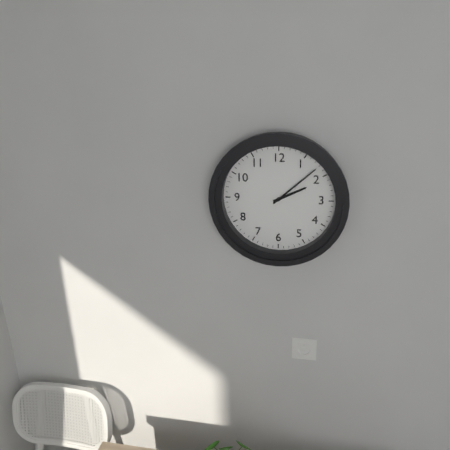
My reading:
2h08
